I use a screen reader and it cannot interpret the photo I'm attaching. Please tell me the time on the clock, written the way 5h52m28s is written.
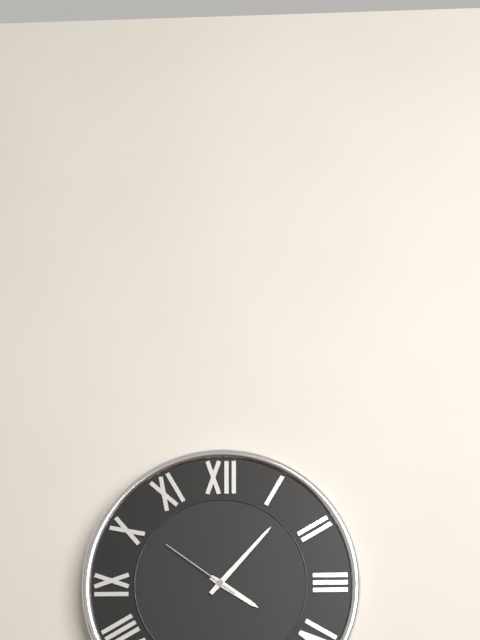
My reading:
4h07m51s
